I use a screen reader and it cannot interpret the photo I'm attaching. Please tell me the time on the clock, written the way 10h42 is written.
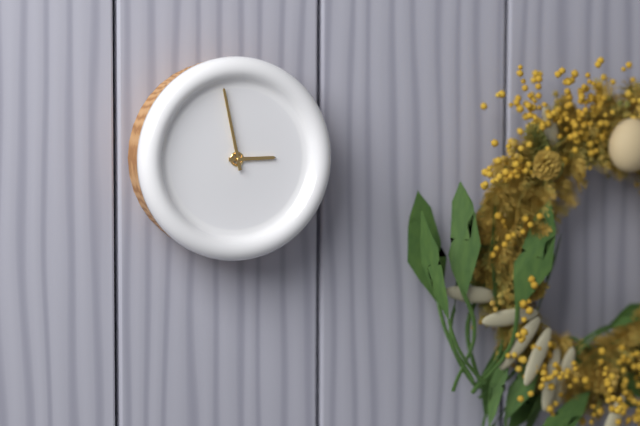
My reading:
2h58
